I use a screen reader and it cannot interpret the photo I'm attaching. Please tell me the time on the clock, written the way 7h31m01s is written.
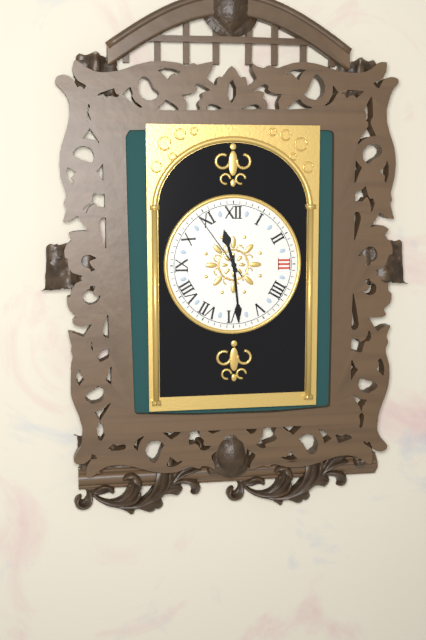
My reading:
11h29m54s
